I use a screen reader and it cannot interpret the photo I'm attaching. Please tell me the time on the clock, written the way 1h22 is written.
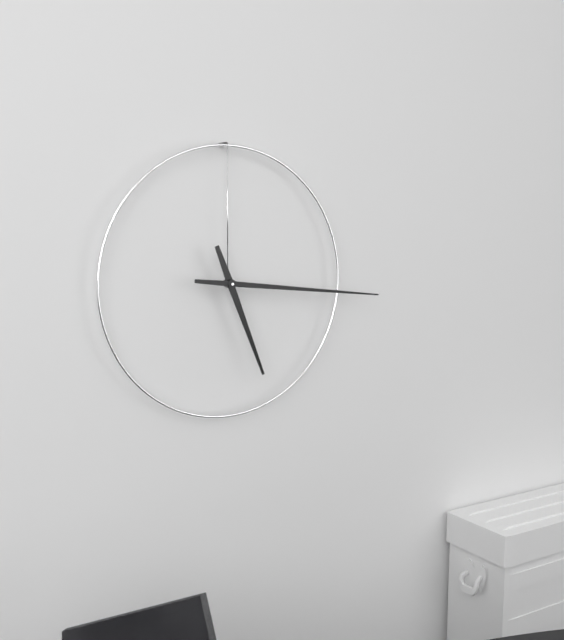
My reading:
5h16
